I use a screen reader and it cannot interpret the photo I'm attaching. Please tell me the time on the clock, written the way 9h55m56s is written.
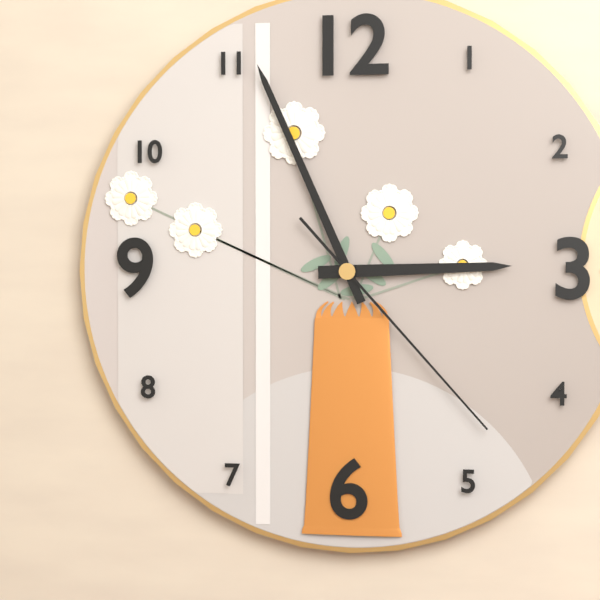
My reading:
2h56m23s
